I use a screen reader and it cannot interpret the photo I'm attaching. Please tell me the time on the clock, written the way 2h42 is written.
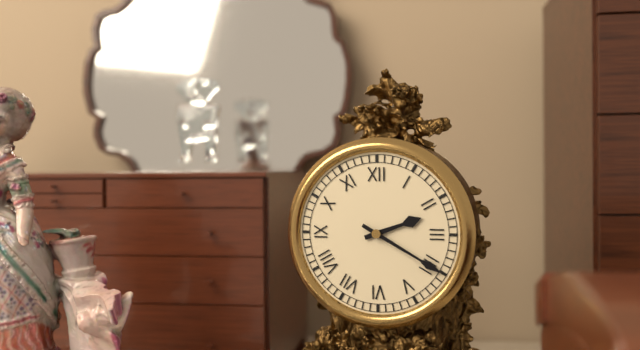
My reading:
2h20
